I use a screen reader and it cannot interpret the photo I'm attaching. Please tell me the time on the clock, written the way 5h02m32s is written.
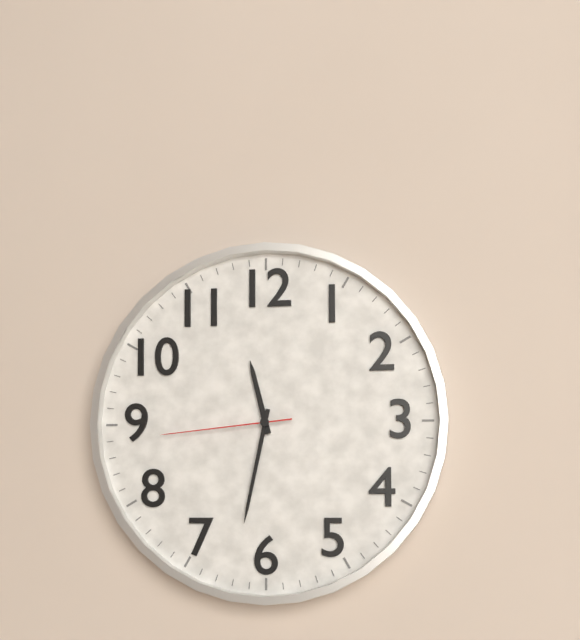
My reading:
11h32m44s
